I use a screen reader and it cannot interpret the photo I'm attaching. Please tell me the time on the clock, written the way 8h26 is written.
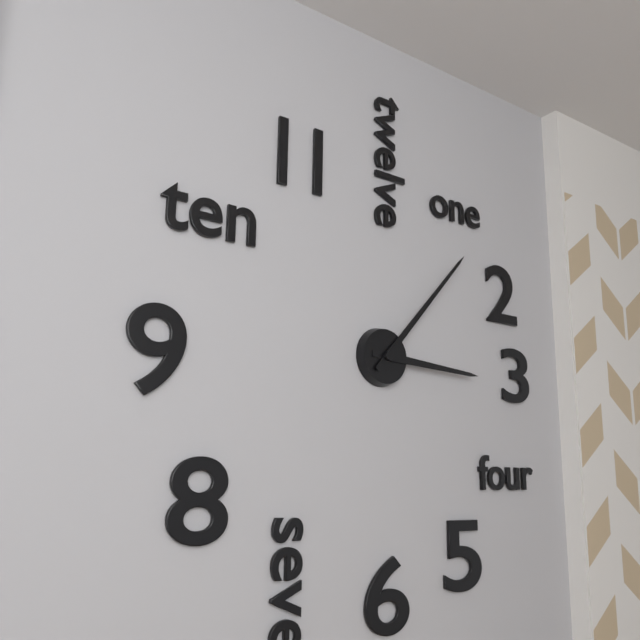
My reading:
3h07
